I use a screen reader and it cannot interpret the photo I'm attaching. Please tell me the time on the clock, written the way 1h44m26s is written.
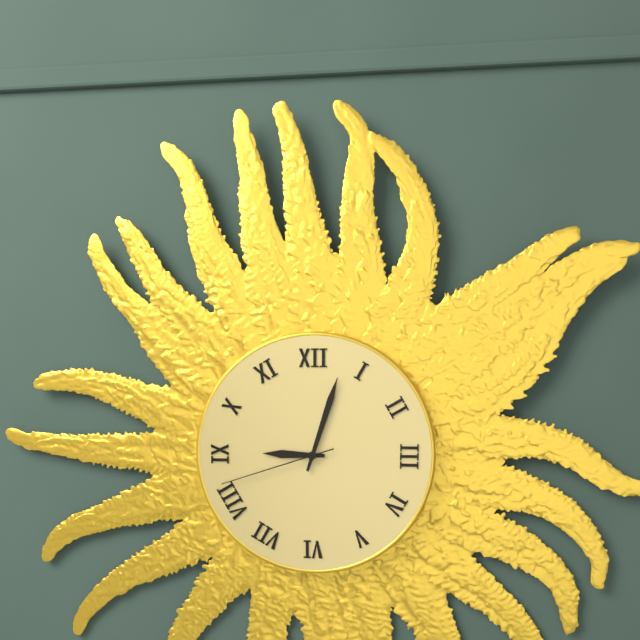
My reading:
9h03m42s
